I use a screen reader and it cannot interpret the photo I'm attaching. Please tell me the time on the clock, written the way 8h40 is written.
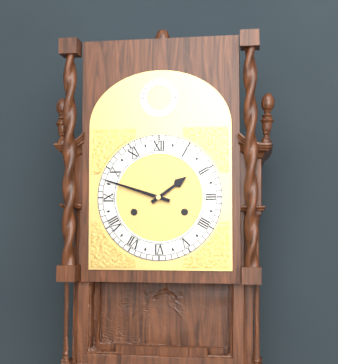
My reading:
1h48
